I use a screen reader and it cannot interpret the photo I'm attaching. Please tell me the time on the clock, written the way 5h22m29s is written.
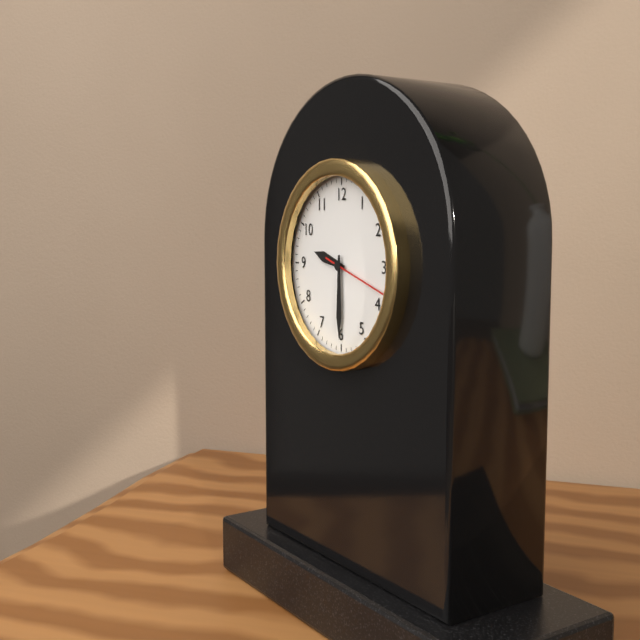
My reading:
9h30m18s
